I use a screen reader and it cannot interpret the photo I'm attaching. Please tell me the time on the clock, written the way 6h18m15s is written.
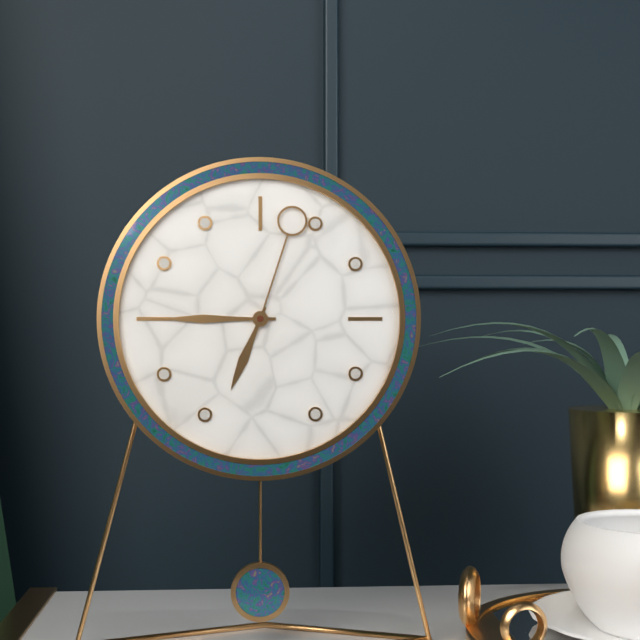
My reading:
6h45m03s
